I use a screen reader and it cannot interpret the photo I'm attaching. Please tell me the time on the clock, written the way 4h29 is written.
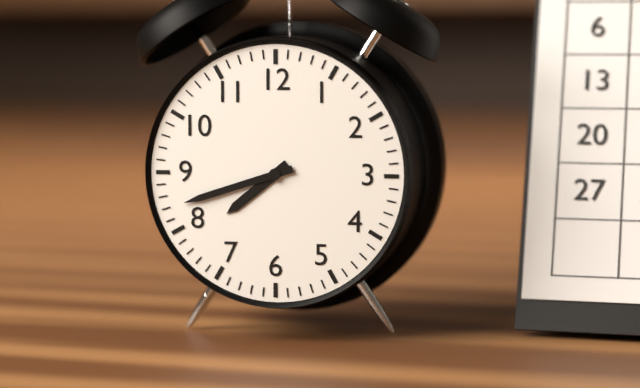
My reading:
7h42
